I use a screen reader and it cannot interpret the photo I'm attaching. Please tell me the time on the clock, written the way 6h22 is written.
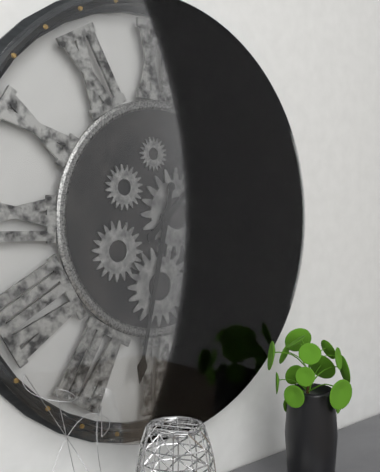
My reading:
1h32
